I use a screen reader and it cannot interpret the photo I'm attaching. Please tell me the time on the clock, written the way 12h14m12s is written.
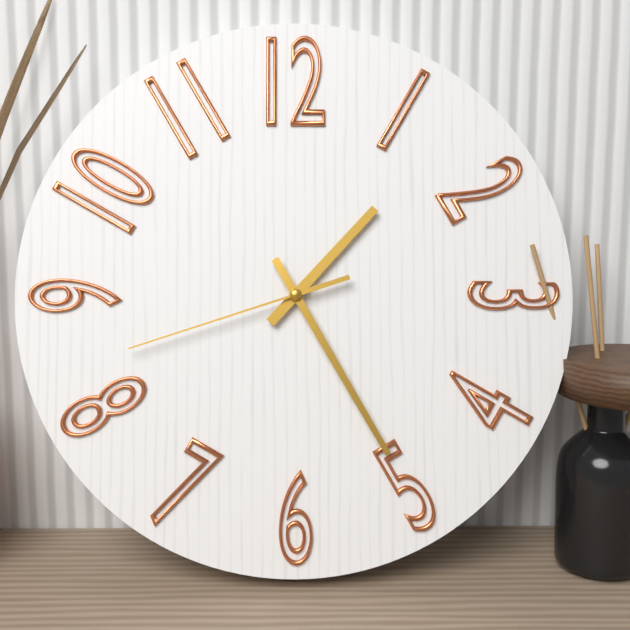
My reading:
1h25m42s
